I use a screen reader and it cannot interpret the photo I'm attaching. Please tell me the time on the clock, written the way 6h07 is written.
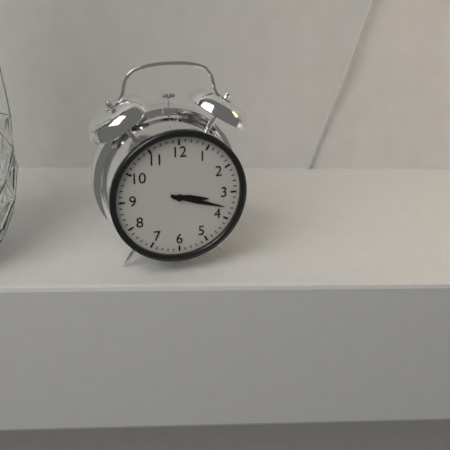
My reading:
3h18
